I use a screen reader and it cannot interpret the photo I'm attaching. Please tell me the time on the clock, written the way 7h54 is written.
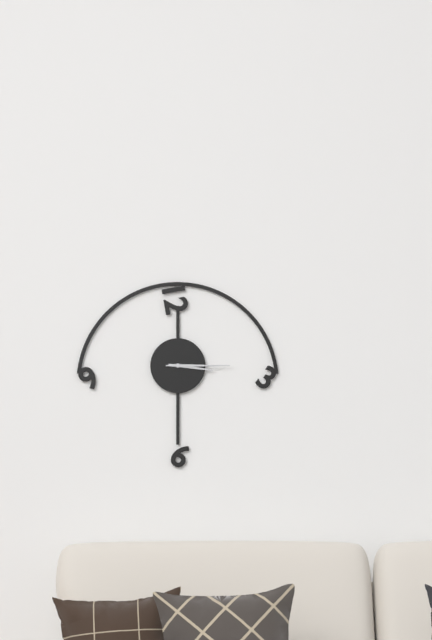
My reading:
3h15
